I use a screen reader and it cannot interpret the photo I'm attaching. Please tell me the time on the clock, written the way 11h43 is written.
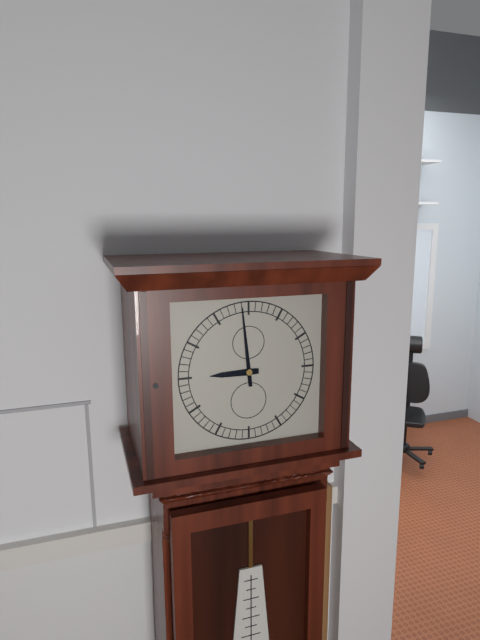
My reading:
8h59
